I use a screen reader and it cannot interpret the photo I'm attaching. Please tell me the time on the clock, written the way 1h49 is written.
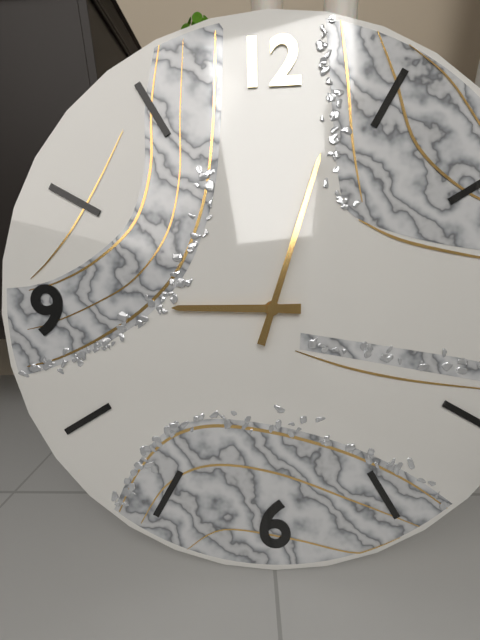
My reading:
9h03
